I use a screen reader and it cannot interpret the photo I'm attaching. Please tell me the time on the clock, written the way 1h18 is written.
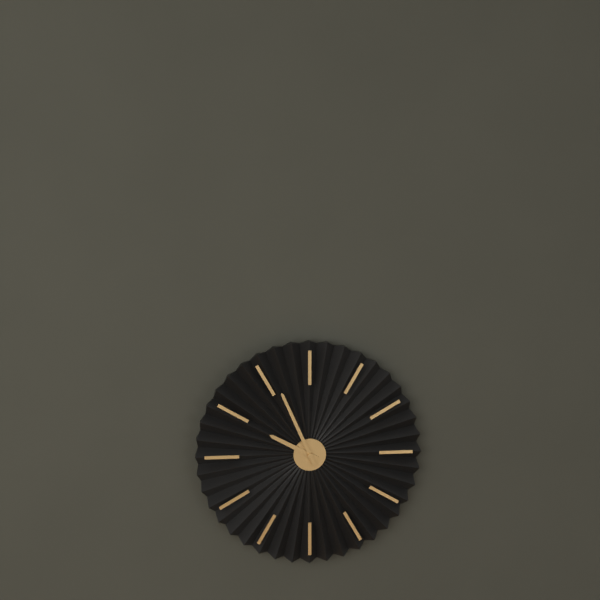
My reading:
9h56
